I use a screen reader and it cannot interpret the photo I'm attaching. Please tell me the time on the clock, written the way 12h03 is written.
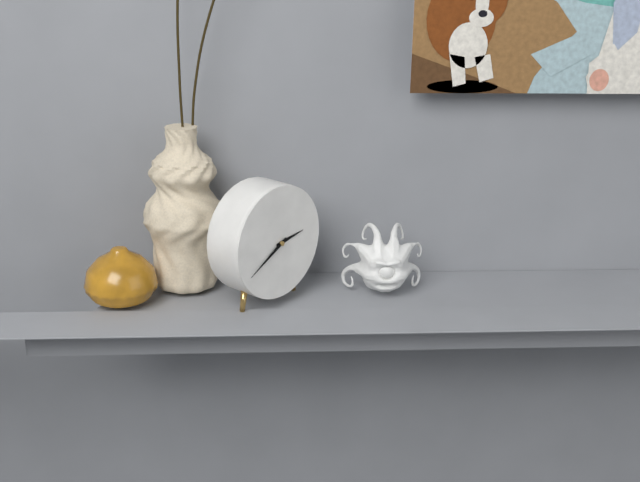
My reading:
2h40
